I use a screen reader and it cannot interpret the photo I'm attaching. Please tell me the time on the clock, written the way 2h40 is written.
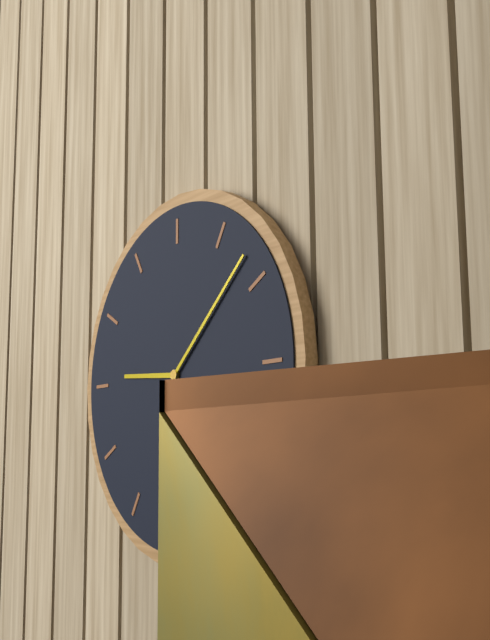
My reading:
9h08
